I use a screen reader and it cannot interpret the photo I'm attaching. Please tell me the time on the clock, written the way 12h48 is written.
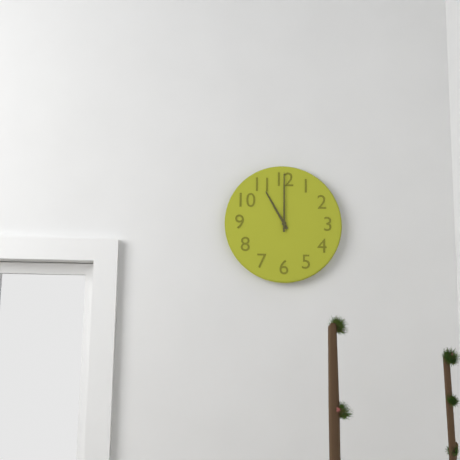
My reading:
11h00
